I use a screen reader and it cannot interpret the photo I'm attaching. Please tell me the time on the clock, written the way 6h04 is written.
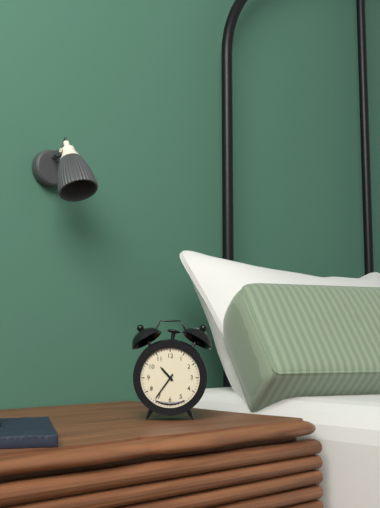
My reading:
10h36
